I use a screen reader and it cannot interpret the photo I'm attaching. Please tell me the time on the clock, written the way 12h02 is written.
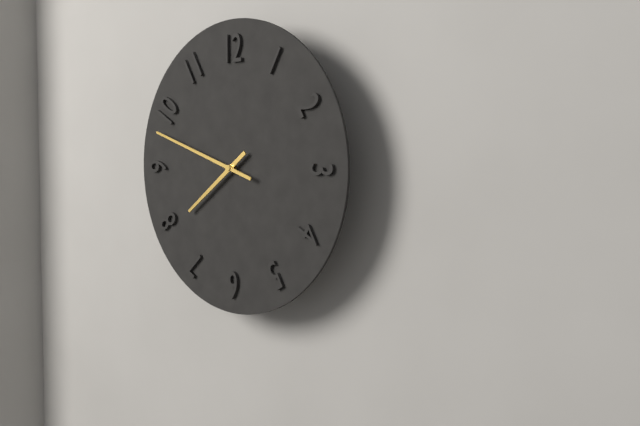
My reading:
7h48
